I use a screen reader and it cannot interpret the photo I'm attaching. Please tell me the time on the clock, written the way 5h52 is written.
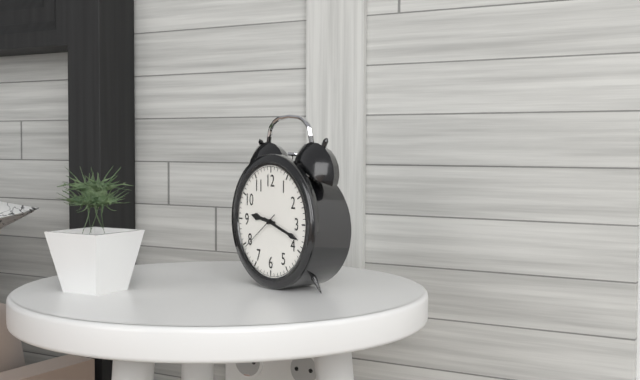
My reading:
9h18
